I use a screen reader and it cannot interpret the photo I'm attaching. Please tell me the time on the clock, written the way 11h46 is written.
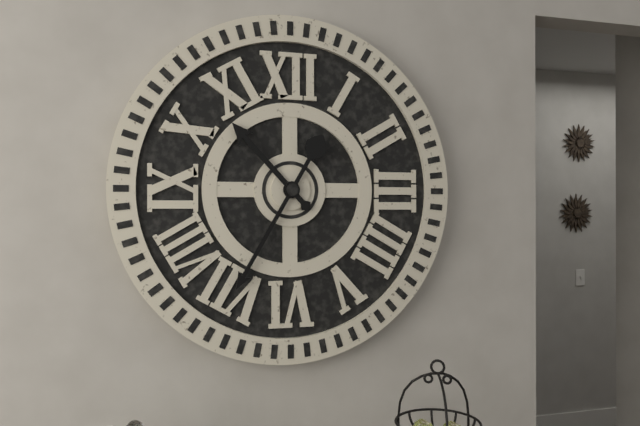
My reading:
10h35
